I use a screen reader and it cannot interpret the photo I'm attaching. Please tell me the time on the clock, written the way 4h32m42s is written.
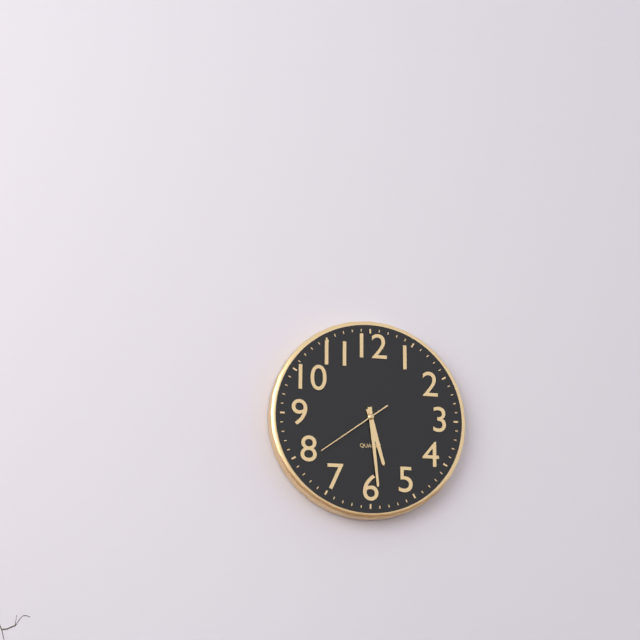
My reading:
5h29m39s
